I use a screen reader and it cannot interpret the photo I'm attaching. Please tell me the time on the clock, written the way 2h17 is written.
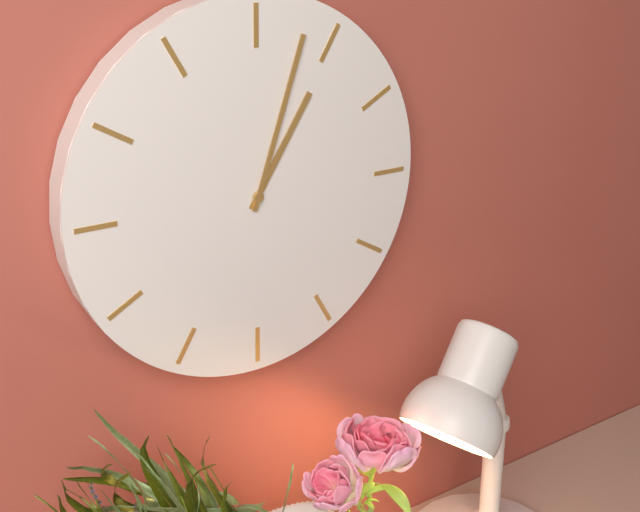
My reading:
1h03
